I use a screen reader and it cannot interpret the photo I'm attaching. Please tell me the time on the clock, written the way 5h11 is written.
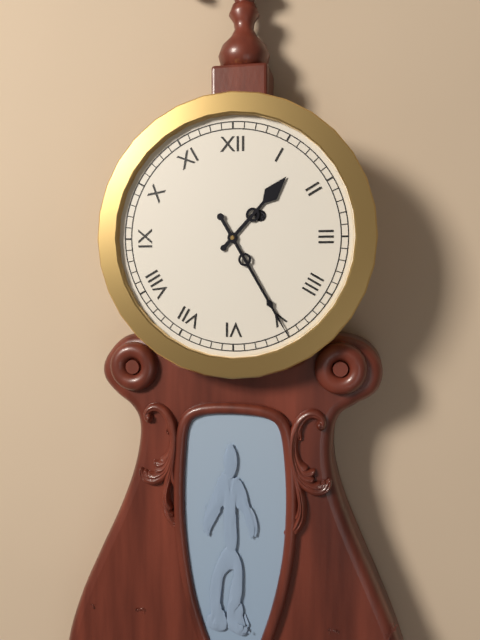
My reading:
1h25
